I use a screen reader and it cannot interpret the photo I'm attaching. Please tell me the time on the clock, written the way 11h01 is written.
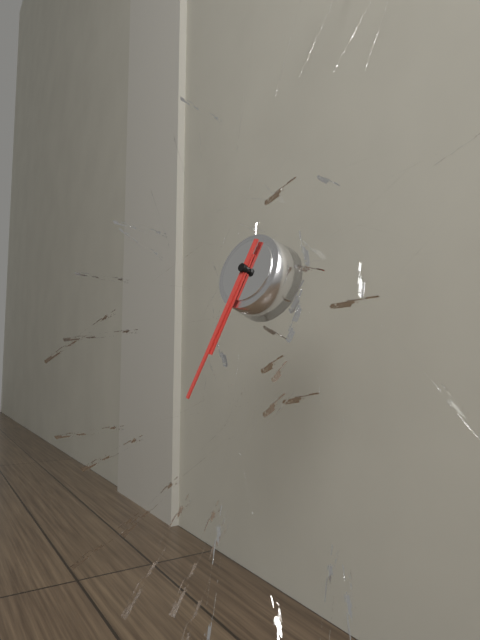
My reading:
6h33
